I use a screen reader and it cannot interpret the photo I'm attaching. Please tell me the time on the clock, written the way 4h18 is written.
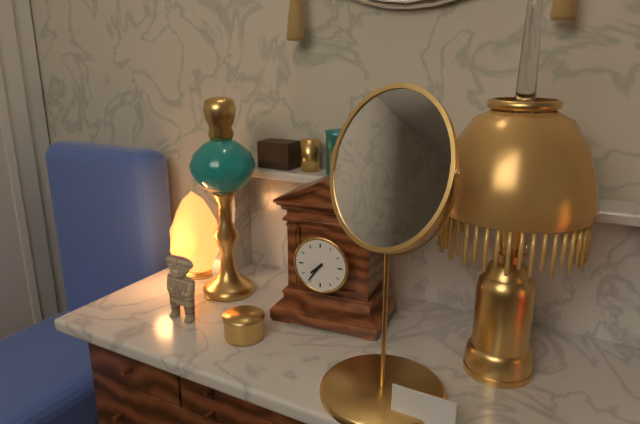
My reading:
7h36
